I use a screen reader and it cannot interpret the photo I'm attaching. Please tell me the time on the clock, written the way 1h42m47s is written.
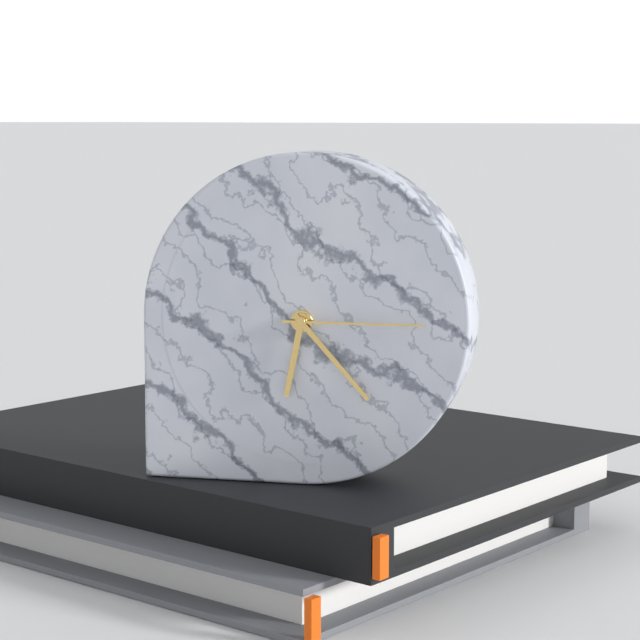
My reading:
6h23m15s
